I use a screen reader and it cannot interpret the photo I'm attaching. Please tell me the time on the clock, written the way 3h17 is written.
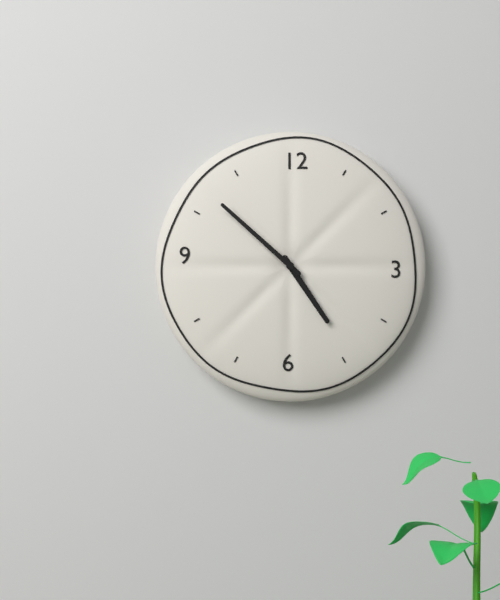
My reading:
4h52
